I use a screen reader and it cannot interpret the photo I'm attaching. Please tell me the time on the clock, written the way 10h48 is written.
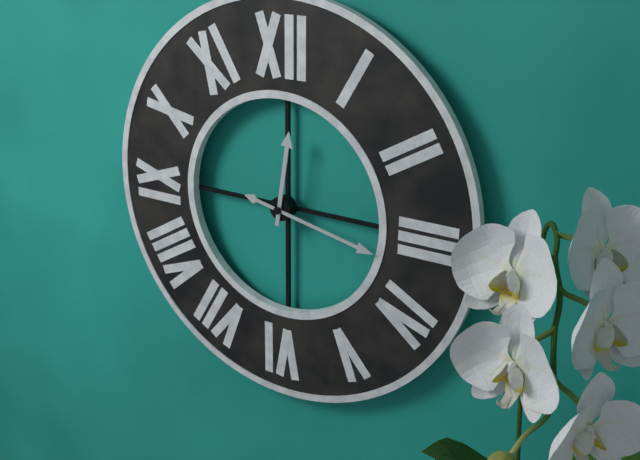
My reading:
12h17
